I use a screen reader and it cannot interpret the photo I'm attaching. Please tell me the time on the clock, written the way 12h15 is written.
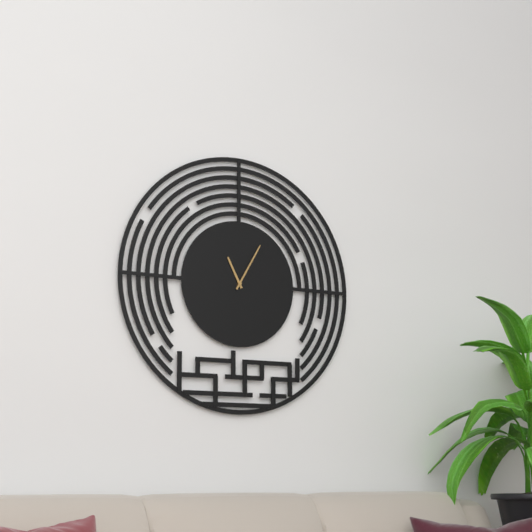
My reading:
11h05
